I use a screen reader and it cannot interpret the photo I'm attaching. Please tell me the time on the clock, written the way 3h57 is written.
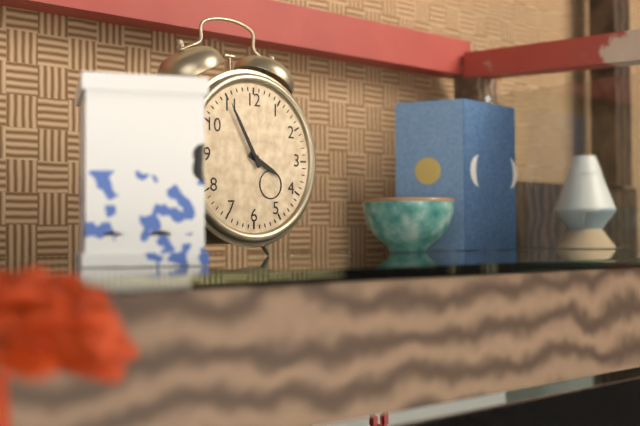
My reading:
3h55
